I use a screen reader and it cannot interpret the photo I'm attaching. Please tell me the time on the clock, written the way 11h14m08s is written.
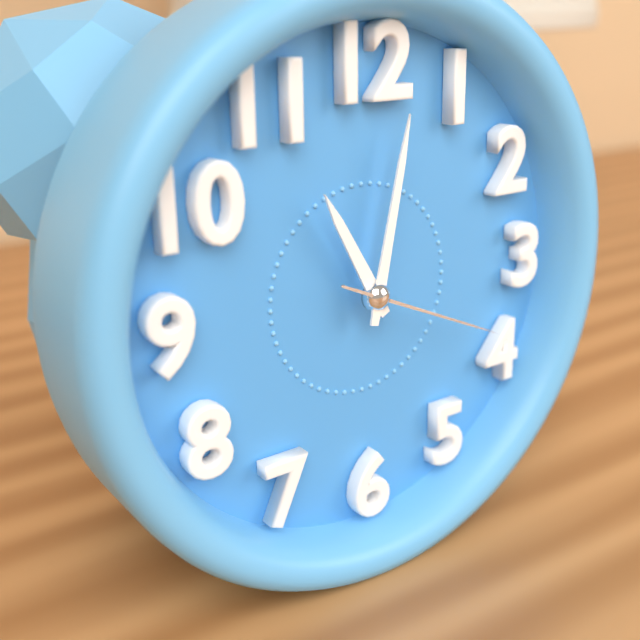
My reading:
11h02m19s
